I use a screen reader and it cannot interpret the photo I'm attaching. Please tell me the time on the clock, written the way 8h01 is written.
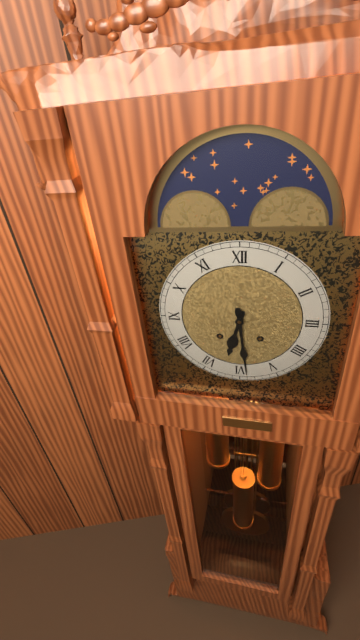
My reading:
6h29
